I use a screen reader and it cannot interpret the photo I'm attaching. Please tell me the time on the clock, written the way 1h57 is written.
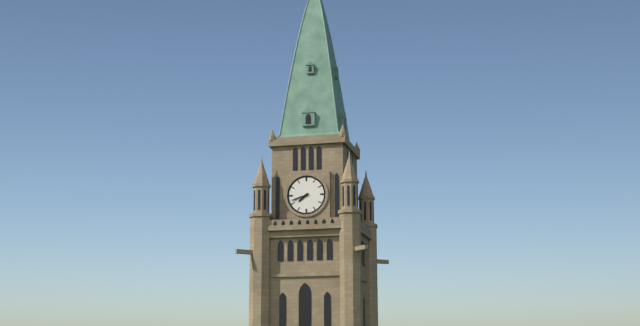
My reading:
7h42
